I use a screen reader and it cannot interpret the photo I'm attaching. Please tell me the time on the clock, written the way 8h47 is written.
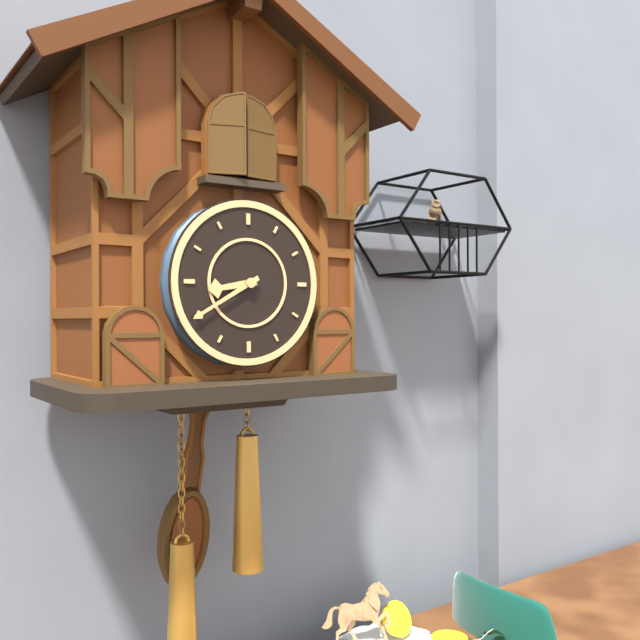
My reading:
8h40
